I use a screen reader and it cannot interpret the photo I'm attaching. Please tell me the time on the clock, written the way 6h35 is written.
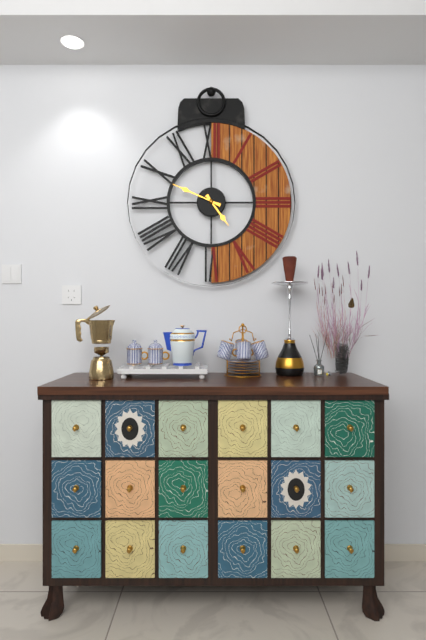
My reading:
4h49
